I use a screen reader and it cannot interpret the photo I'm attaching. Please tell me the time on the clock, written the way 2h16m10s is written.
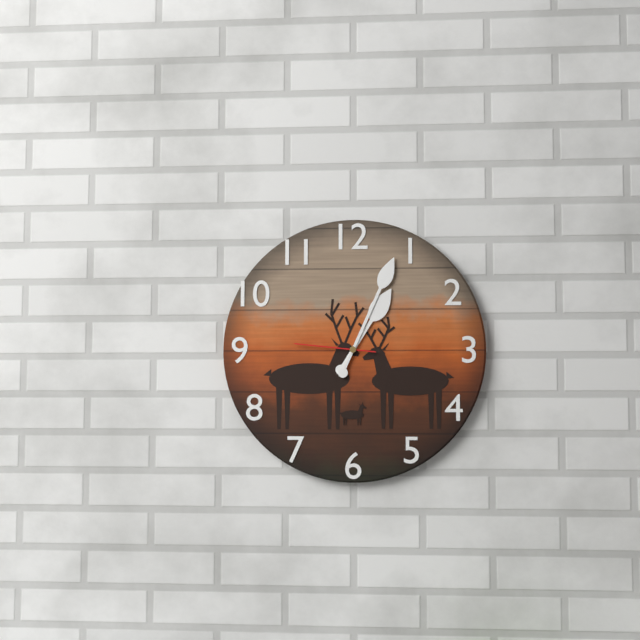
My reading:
1h04m46s
